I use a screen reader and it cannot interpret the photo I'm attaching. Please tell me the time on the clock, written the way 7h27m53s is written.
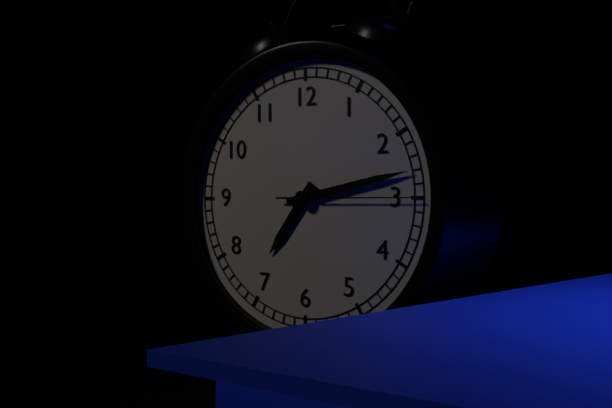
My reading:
7h13m15s
